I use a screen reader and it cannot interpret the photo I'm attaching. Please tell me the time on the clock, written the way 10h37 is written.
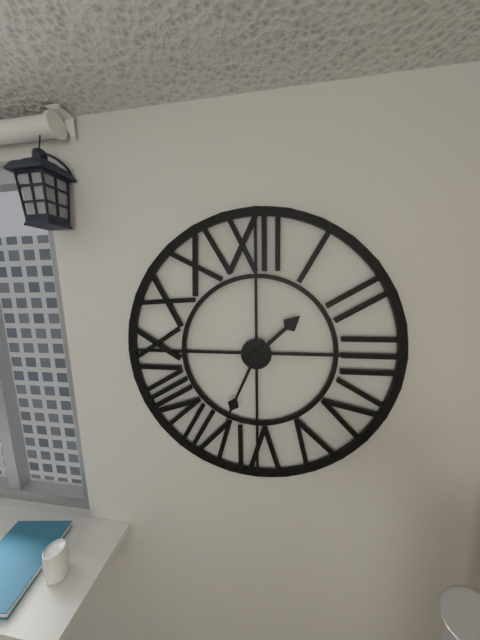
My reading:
1h34
